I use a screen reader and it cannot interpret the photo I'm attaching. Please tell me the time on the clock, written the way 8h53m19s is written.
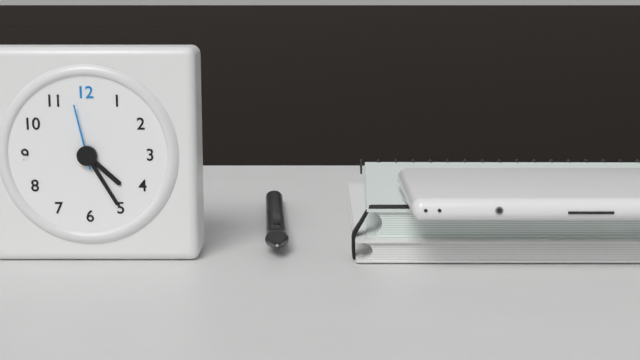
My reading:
4h25m58s
